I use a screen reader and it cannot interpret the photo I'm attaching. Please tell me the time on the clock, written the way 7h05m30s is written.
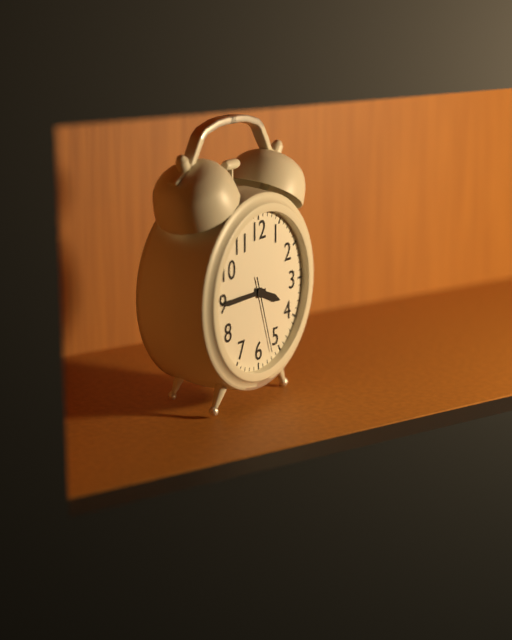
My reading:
3h45m27s
